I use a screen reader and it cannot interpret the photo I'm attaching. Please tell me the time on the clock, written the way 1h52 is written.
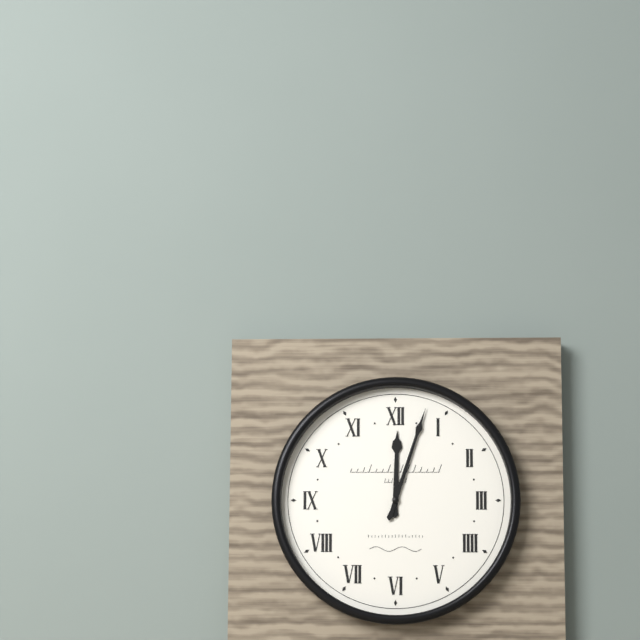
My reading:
12h03
